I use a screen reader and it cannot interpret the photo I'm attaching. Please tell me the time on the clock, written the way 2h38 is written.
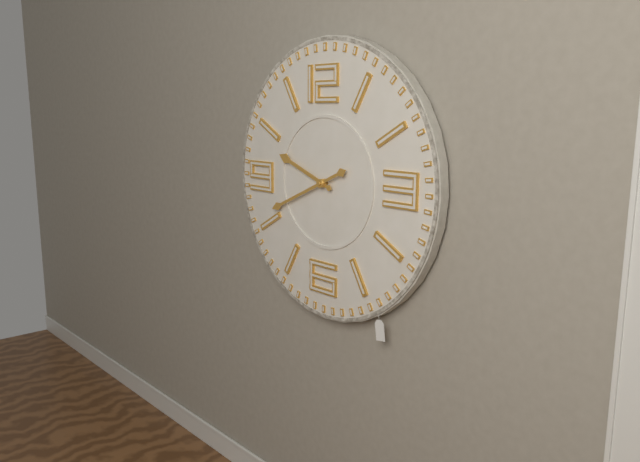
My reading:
9h41
